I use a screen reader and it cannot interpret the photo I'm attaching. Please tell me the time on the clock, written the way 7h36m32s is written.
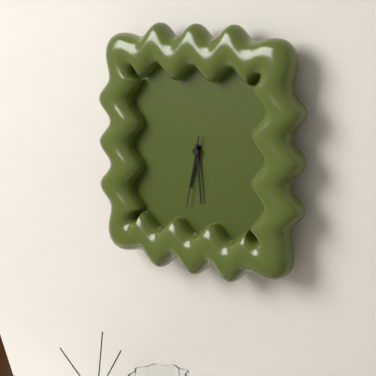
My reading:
6h29m32s
